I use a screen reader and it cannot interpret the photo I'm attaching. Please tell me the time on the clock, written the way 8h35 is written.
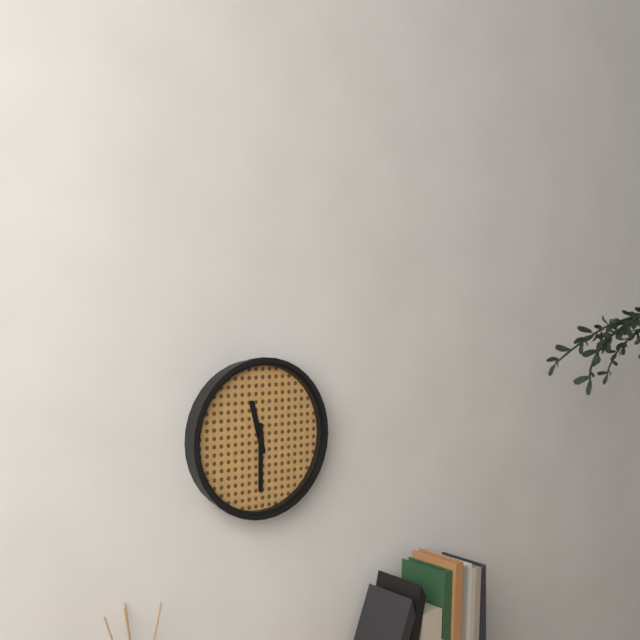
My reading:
11h30
